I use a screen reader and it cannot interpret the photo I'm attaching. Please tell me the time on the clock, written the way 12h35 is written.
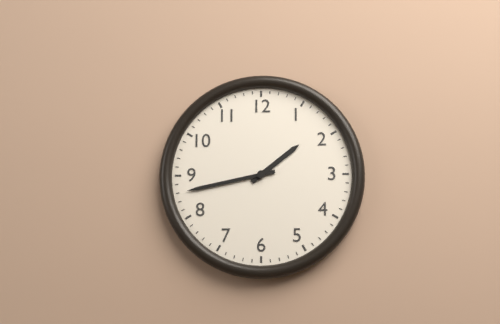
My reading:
1h43
